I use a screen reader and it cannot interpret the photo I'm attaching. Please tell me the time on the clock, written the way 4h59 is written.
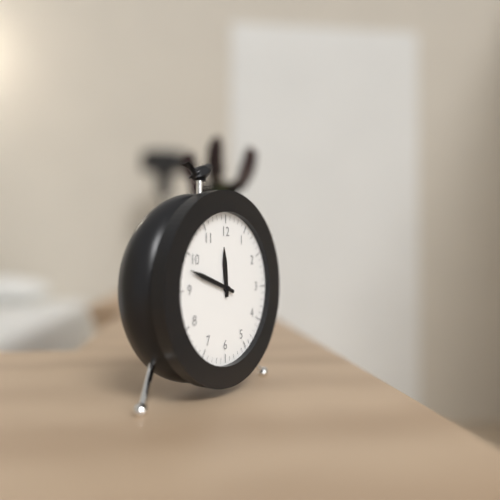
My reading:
11h48
